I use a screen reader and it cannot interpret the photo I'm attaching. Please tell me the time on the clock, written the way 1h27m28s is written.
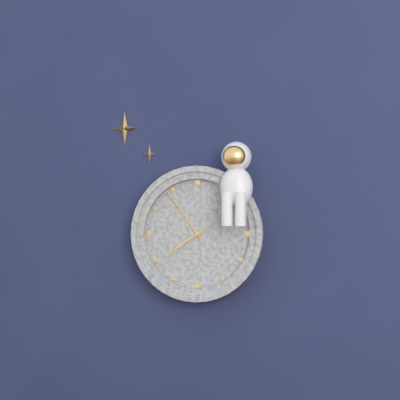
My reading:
7h54m39s
